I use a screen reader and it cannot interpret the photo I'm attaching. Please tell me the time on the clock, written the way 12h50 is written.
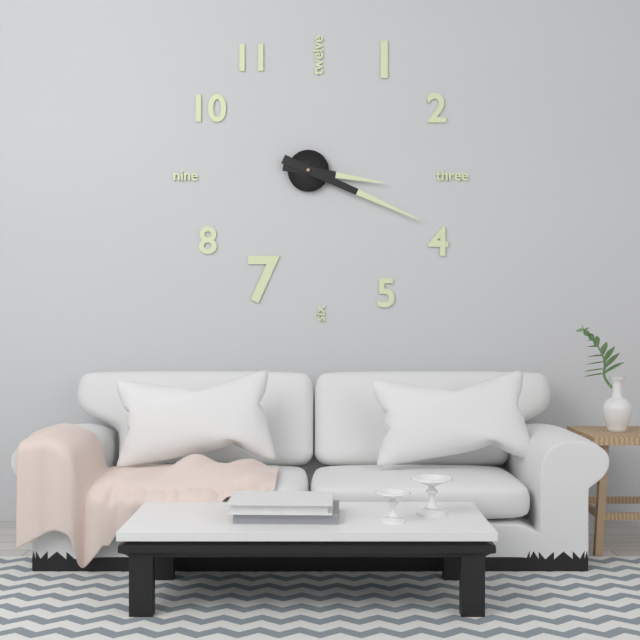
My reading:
3h19
